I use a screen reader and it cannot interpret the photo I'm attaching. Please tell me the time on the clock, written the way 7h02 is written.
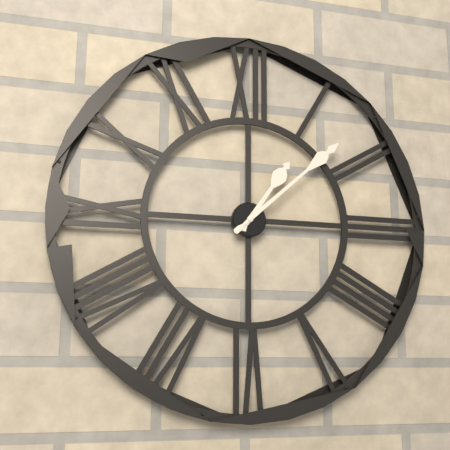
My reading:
1h08
